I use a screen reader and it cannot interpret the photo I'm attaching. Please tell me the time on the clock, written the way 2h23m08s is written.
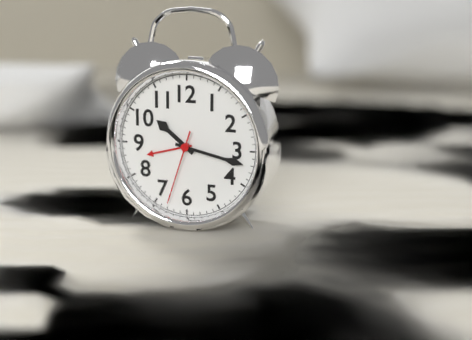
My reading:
10h17m33s
